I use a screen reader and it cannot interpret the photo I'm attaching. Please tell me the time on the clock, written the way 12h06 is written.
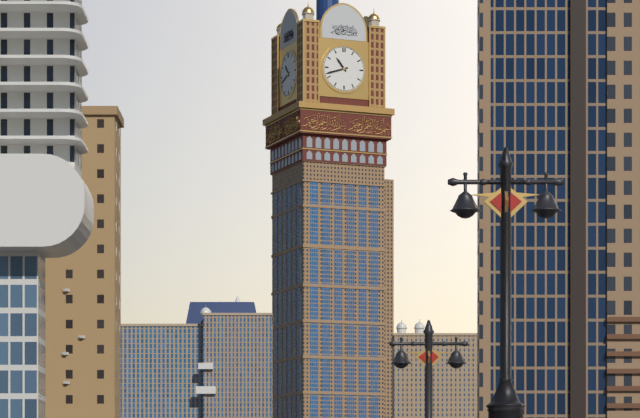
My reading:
10h42
